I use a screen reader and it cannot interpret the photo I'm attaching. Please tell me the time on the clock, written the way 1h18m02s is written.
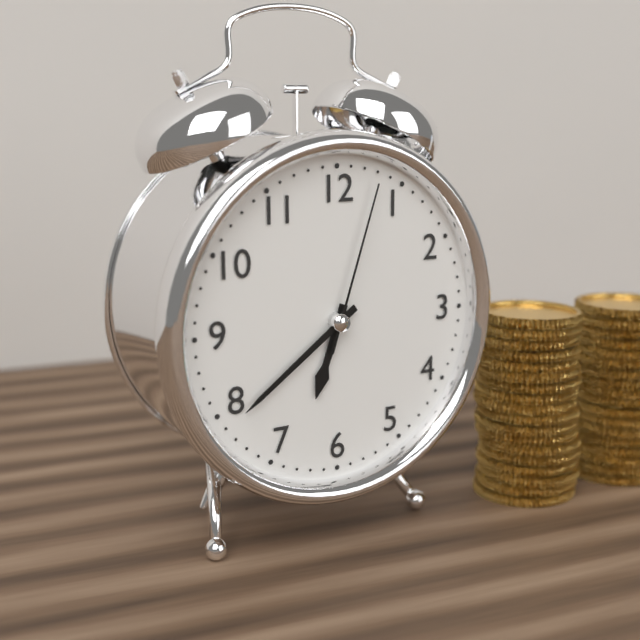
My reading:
6h39m03s
